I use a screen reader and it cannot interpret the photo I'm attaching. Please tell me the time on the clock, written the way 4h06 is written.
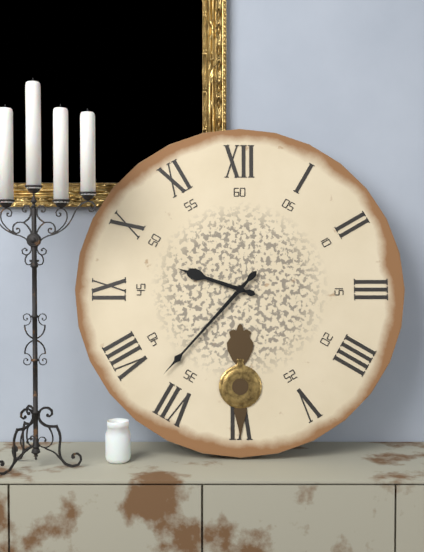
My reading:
9h37
